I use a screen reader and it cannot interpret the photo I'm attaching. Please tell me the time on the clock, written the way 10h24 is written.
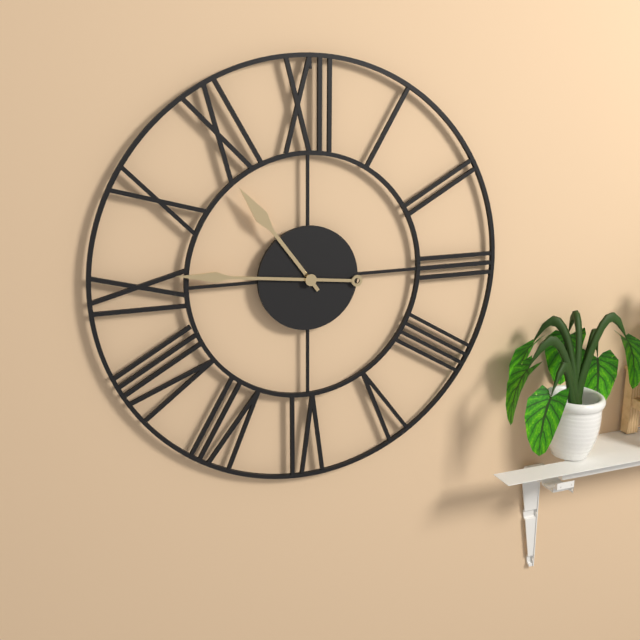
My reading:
10h46
